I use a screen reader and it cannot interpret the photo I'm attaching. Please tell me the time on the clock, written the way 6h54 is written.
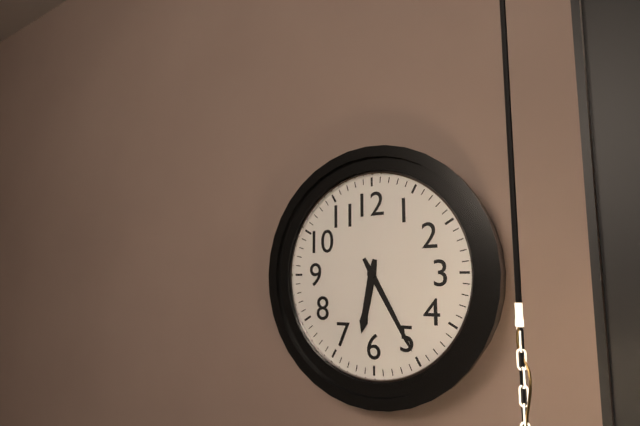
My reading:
6h25
